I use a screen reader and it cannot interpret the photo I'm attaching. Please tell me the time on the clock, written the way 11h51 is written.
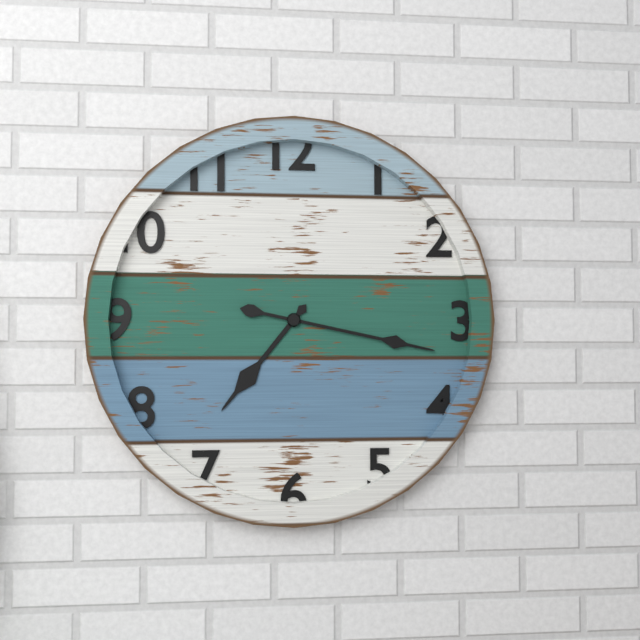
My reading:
7h17
